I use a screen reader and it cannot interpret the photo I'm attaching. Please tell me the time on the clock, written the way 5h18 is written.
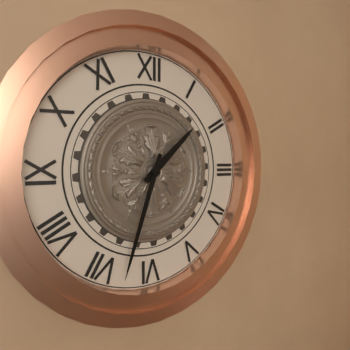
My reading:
1h33
